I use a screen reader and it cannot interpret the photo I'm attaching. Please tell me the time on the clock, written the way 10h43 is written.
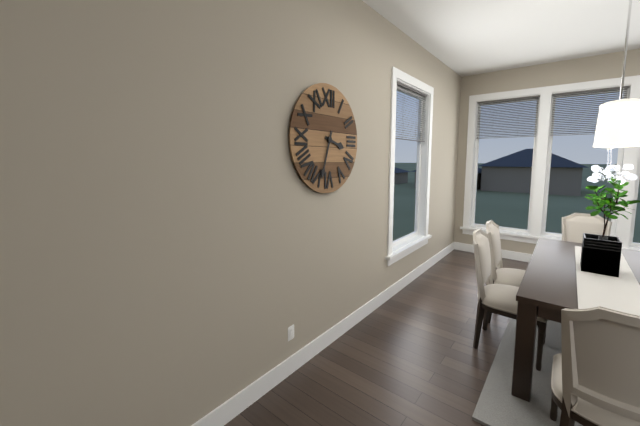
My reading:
3h33
